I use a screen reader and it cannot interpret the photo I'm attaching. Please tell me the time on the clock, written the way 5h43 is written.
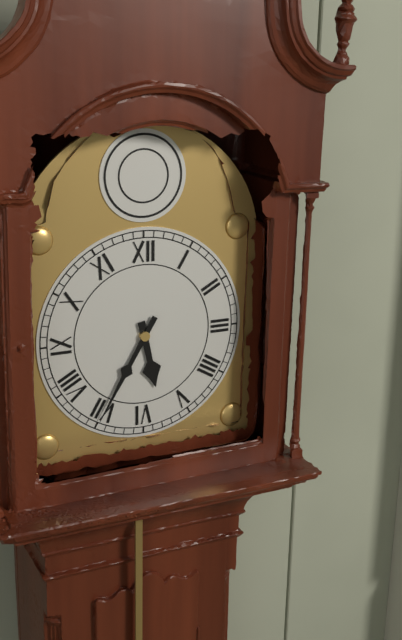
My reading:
5h35
